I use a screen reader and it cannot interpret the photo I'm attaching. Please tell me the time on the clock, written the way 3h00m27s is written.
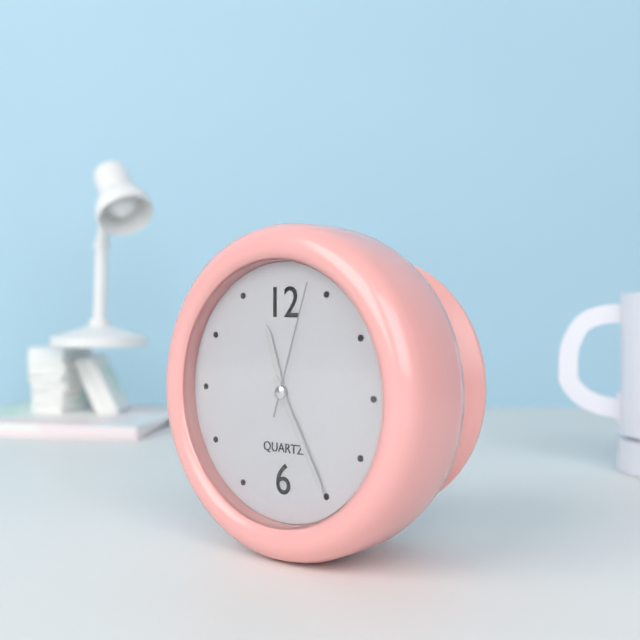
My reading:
11h25m03s
